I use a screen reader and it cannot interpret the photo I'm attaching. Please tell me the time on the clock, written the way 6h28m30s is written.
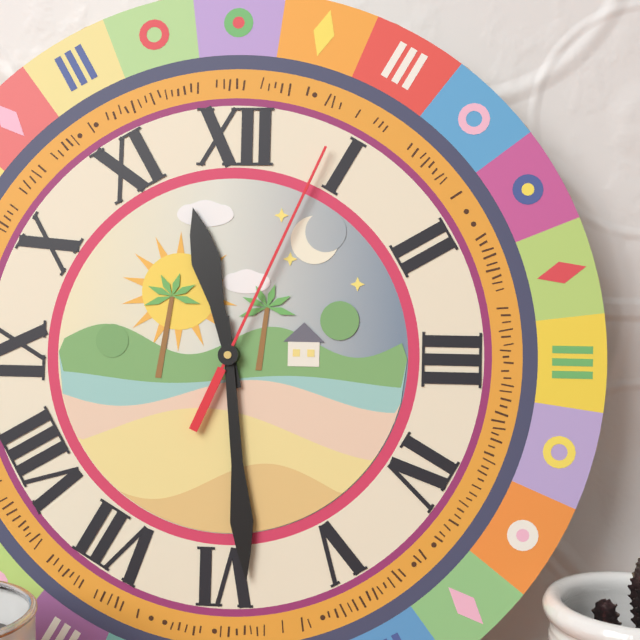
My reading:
11h29m04s
